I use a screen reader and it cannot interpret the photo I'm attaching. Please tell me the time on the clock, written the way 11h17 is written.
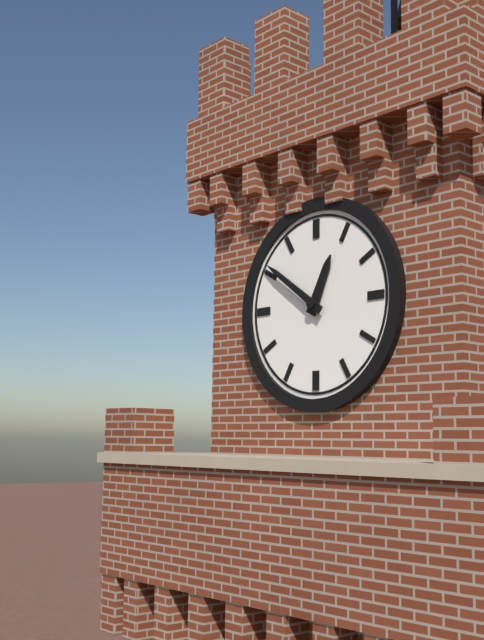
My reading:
12h51
